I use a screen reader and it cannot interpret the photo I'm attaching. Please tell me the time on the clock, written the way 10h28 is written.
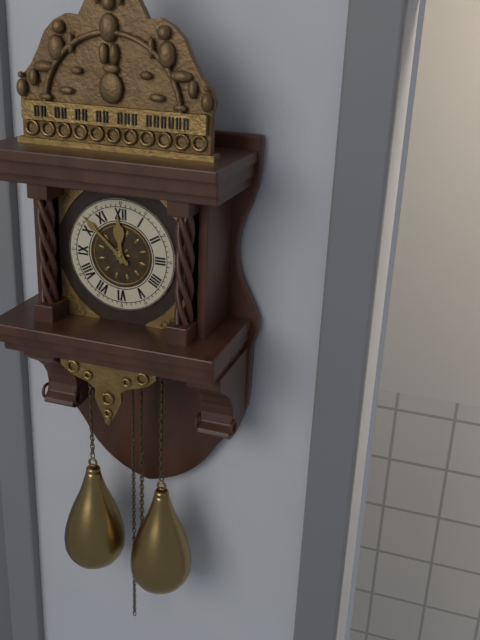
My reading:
11h52
